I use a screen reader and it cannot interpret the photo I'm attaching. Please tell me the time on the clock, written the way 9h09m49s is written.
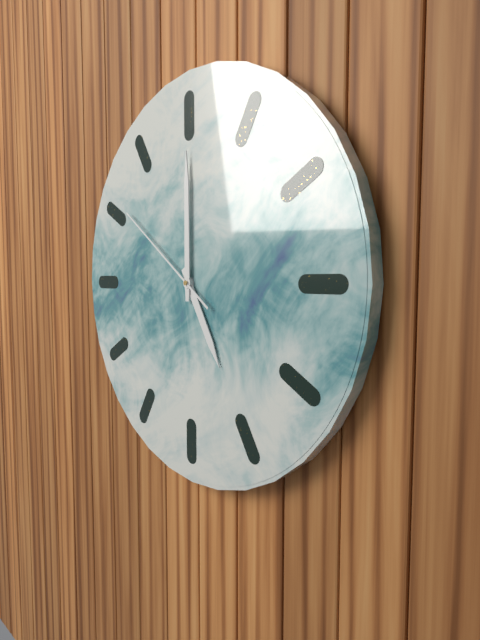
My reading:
5h00m51s
